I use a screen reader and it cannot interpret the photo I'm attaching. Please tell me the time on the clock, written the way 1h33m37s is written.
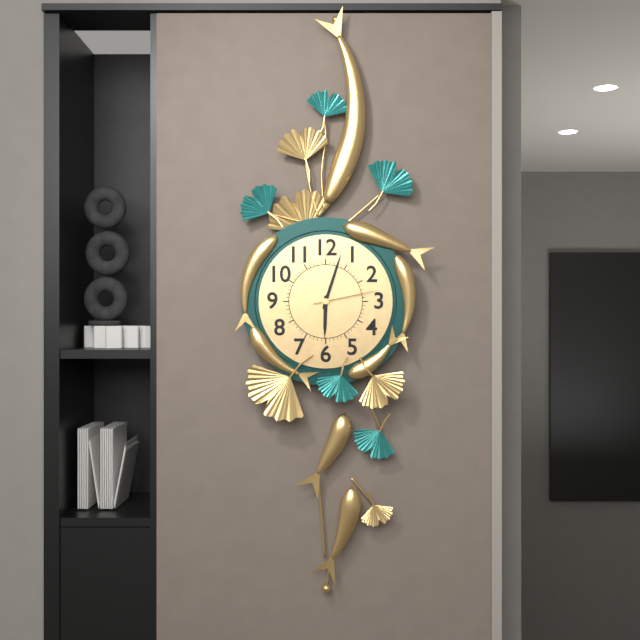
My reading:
6h03m13s
